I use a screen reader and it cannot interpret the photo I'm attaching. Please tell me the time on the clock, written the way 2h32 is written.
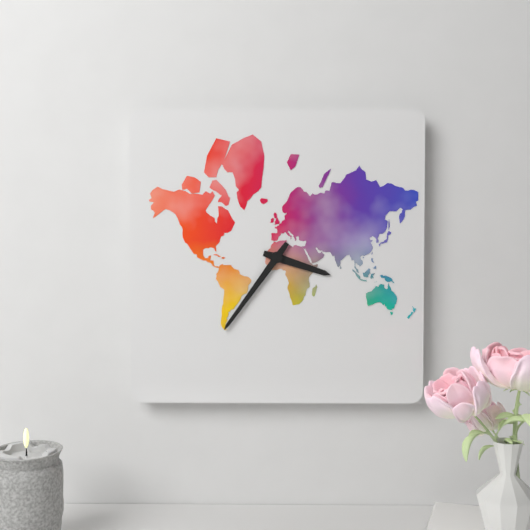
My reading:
3h36
